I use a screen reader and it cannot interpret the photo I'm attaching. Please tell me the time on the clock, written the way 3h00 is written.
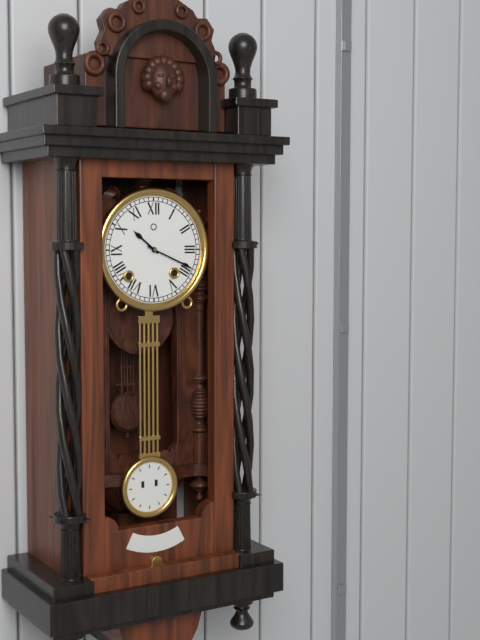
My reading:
10h19
